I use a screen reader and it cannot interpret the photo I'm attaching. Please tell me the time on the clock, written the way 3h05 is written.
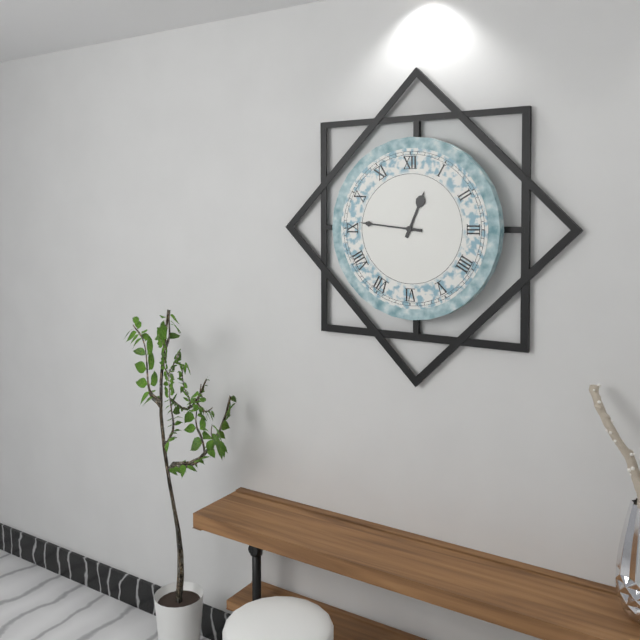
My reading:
12h46
